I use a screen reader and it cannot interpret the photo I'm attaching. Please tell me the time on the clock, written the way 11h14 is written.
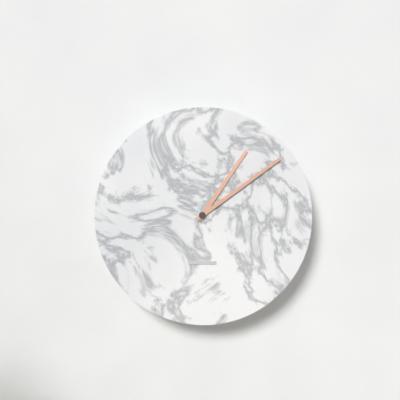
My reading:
1h09
